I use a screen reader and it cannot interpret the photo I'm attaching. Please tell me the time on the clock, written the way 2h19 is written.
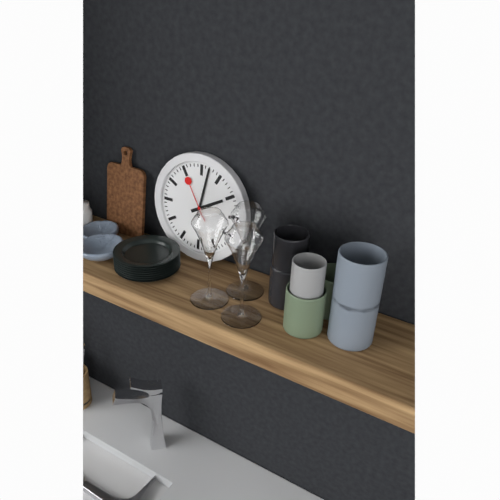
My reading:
2h02
